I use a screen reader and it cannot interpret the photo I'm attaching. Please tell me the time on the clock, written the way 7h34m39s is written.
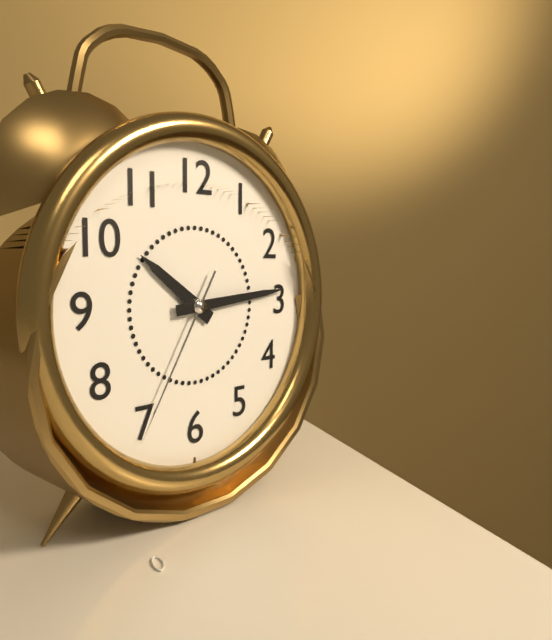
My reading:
10h14m35s
